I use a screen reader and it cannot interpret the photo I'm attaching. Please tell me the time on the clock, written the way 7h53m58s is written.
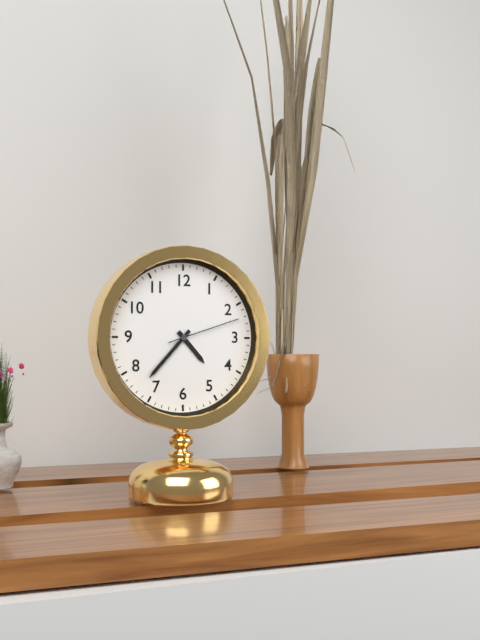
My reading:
4h37m12s
